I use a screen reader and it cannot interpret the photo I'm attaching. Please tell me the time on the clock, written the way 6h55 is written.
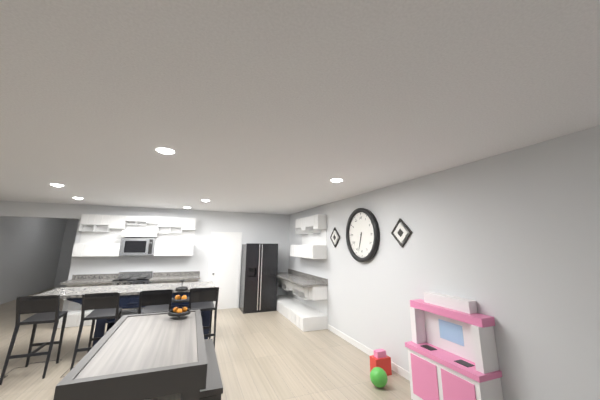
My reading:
6h33
